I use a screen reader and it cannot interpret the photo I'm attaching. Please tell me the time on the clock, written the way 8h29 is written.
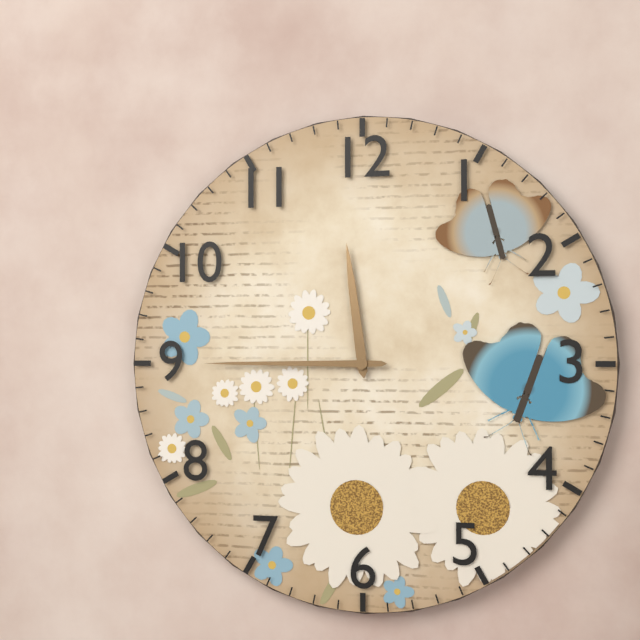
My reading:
11h45
